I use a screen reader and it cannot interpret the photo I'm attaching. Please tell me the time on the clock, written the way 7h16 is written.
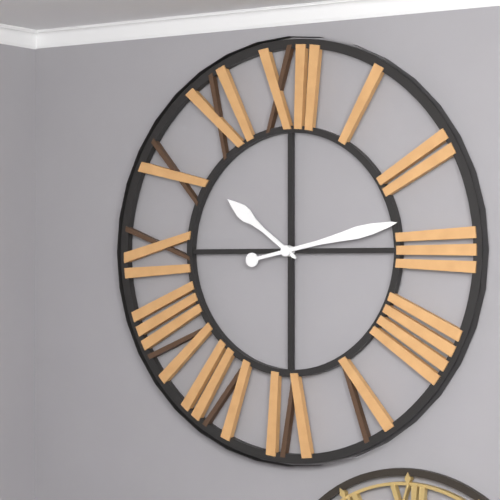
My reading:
10h13
